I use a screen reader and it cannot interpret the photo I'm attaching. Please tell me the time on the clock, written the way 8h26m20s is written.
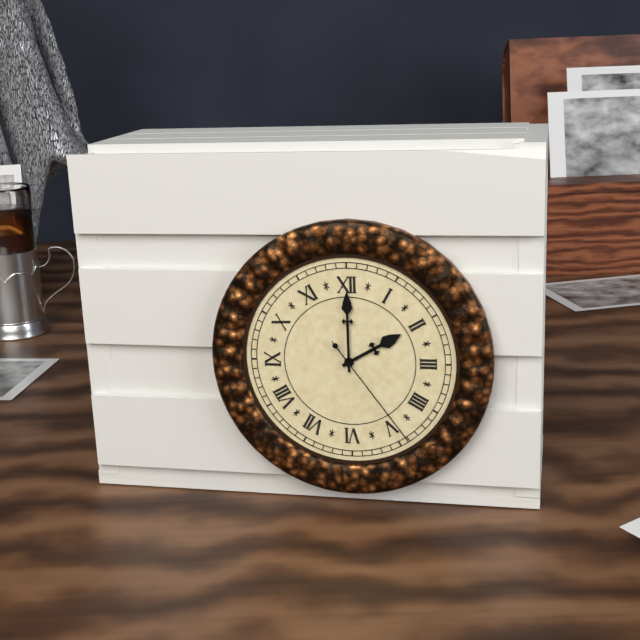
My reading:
2h00m24s
